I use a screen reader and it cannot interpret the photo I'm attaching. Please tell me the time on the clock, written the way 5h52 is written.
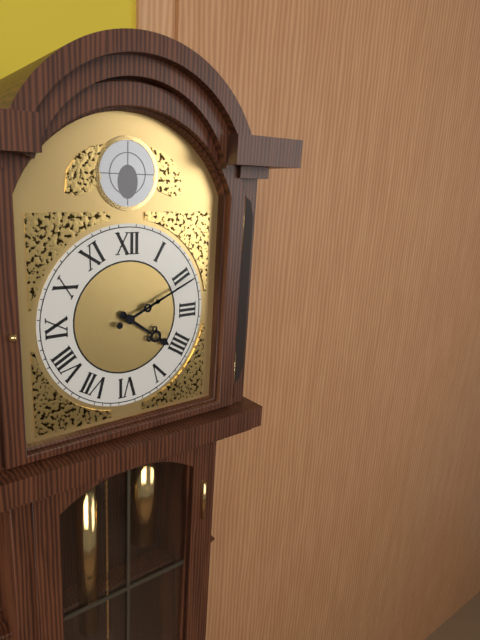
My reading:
4h11
